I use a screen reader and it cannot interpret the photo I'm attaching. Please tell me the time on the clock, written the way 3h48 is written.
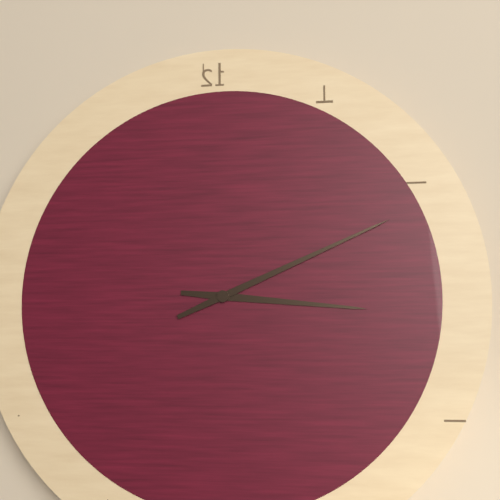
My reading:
3h11
